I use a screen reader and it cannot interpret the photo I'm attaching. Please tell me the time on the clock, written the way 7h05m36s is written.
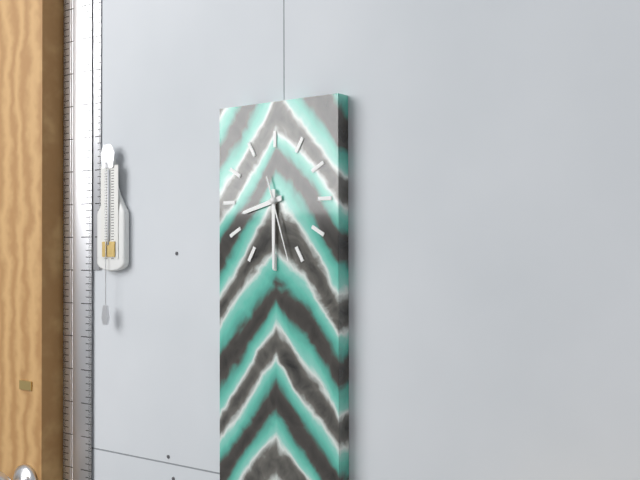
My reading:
8h30m27s
